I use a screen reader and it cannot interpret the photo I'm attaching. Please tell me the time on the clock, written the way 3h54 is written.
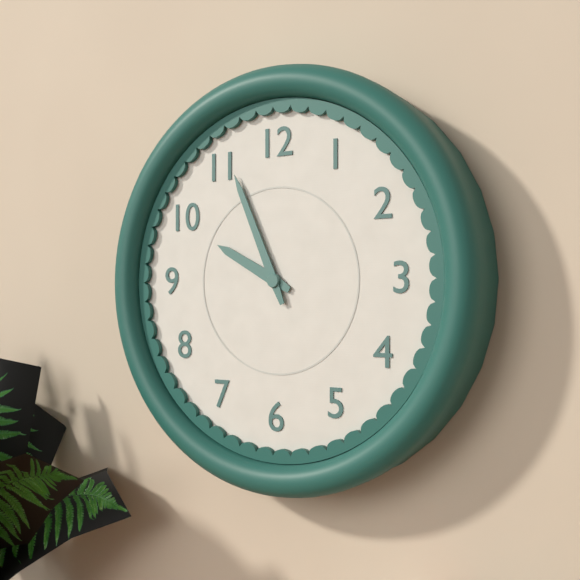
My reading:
9h56
